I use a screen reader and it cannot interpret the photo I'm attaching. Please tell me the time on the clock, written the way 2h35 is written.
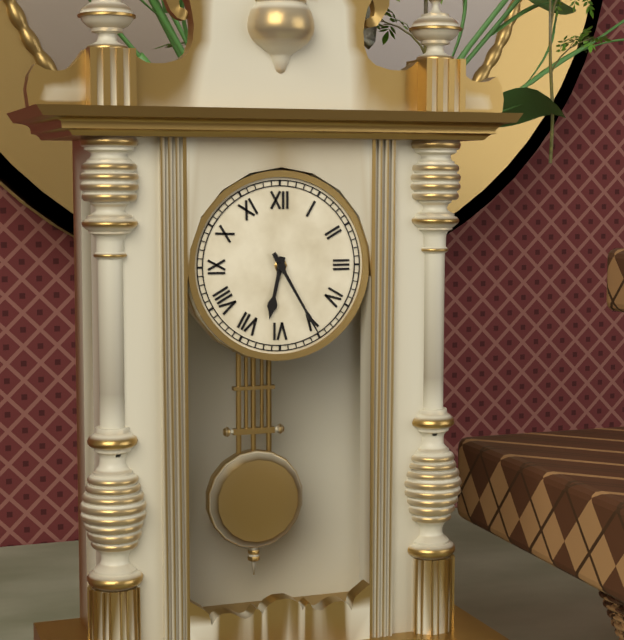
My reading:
6h25
